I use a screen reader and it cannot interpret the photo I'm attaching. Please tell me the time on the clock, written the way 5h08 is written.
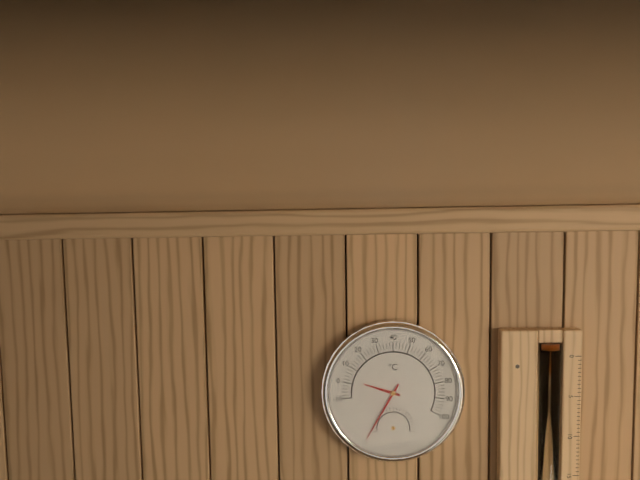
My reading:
9h35
